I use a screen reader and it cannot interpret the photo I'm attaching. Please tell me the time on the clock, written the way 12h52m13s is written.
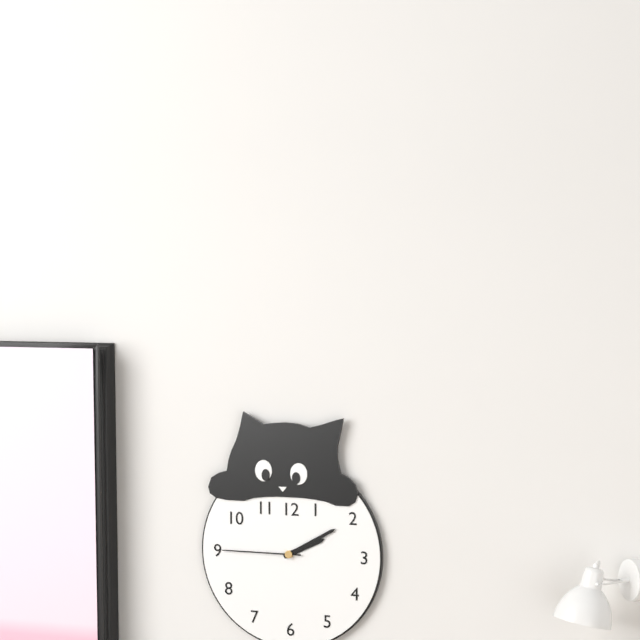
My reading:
2h10m45s
